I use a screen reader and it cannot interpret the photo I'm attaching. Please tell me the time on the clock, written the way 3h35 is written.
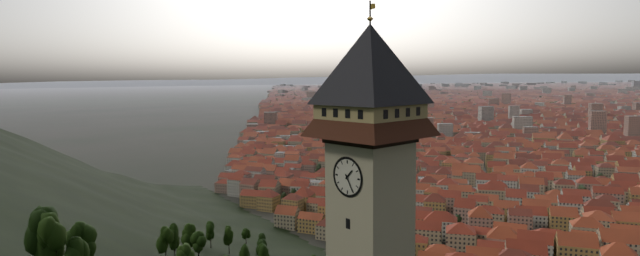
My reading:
1h25
